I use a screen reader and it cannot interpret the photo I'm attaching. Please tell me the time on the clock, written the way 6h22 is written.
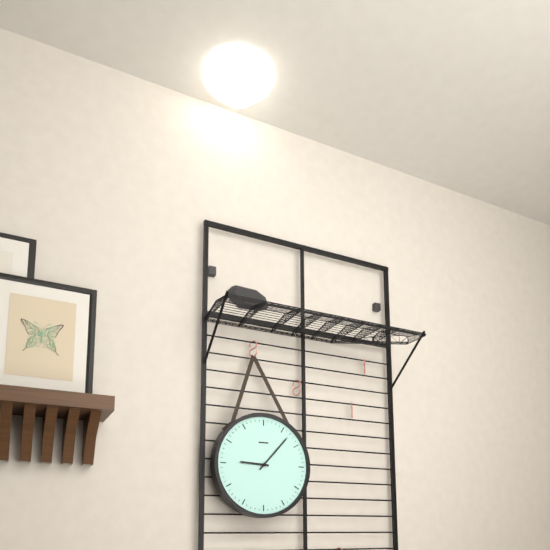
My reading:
9h07
